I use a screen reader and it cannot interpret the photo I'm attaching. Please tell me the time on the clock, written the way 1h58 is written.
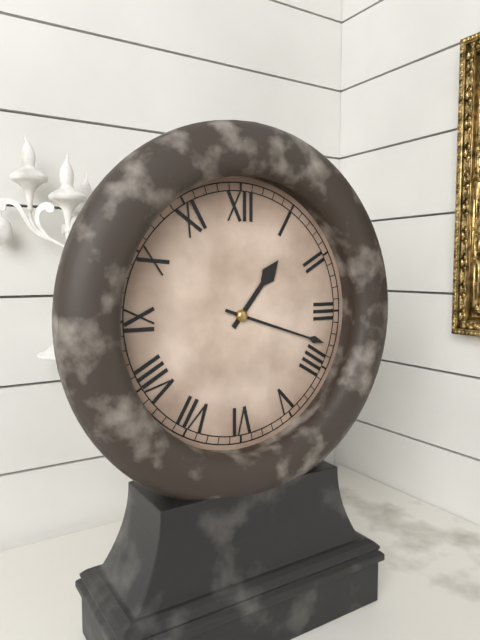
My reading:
1h18
